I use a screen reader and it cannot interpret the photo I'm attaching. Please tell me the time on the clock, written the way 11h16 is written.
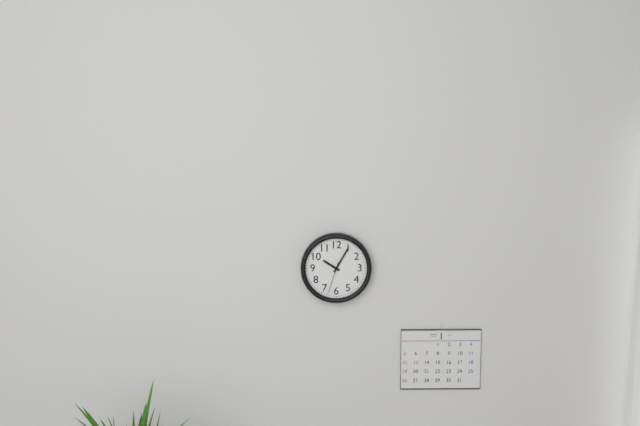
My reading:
10h05
